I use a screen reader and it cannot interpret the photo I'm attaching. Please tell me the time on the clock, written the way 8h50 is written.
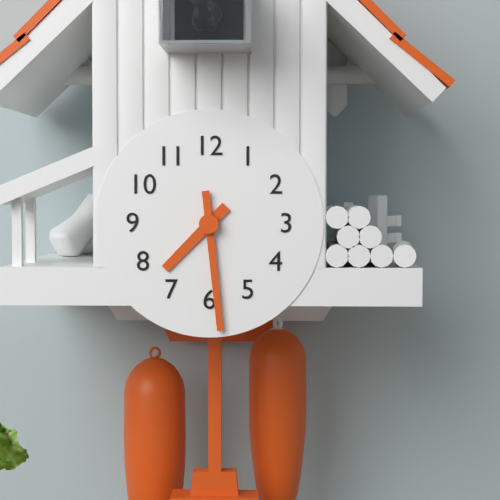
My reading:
7h29
